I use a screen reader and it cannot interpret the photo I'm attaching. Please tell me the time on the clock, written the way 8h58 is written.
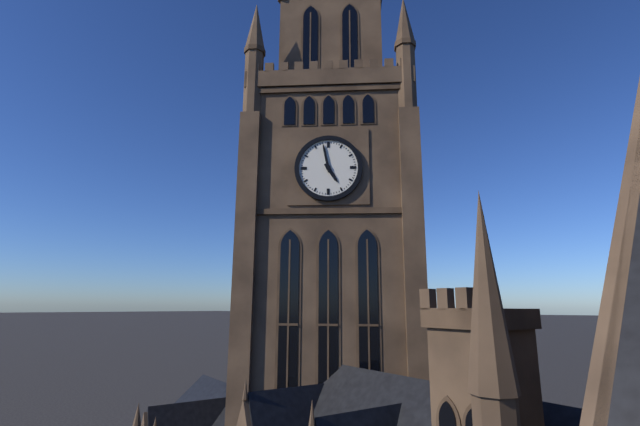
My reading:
4h58
